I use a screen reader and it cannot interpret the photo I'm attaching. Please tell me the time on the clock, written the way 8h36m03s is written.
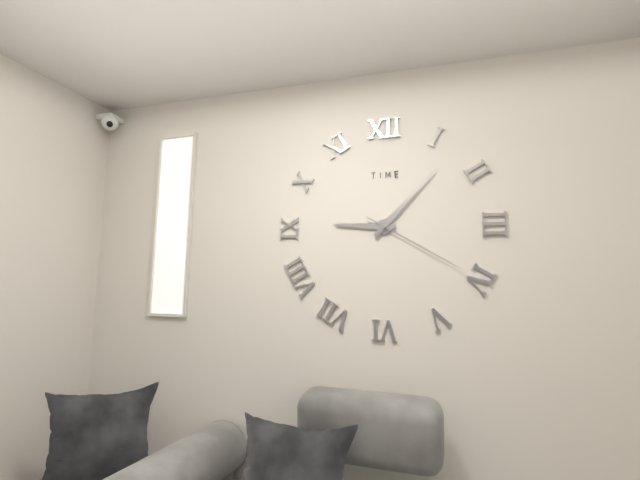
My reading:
9h07m20s
